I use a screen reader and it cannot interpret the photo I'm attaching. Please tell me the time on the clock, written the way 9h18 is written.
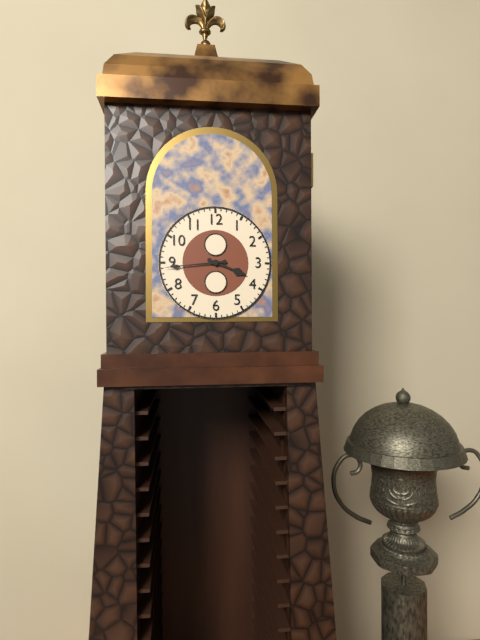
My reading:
3h44
